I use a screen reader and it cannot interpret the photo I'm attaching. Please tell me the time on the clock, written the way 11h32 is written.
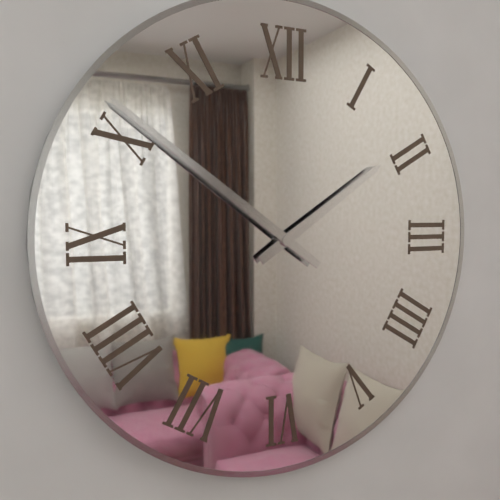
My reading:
1h51
